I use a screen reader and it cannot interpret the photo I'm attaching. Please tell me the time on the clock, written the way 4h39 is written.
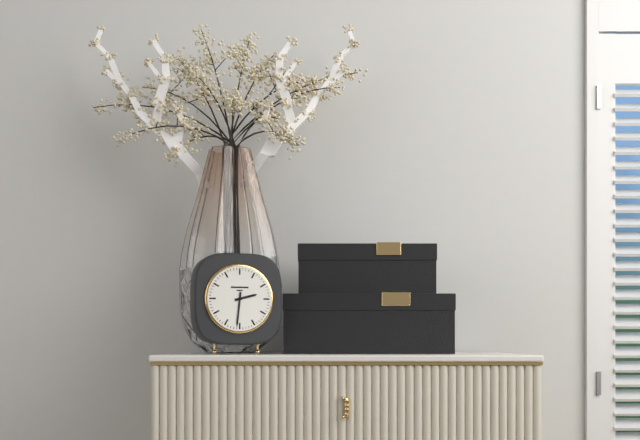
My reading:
2h31
